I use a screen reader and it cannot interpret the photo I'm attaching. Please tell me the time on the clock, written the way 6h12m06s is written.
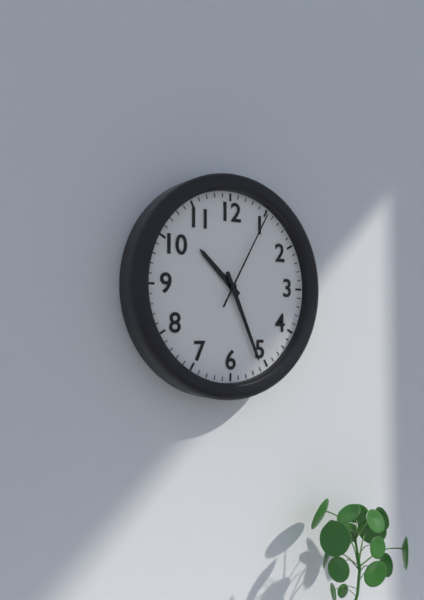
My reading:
10h26m05s
